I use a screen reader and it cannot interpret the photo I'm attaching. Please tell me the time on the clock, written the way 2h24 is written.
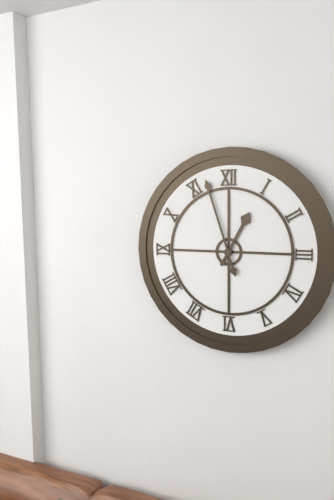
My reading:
12h57
